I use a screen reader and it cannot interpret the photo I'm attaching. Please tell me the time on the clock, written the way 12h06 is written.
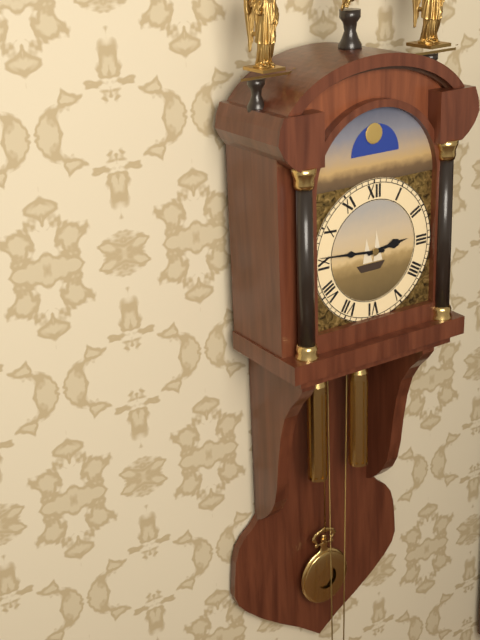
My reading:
2h46
